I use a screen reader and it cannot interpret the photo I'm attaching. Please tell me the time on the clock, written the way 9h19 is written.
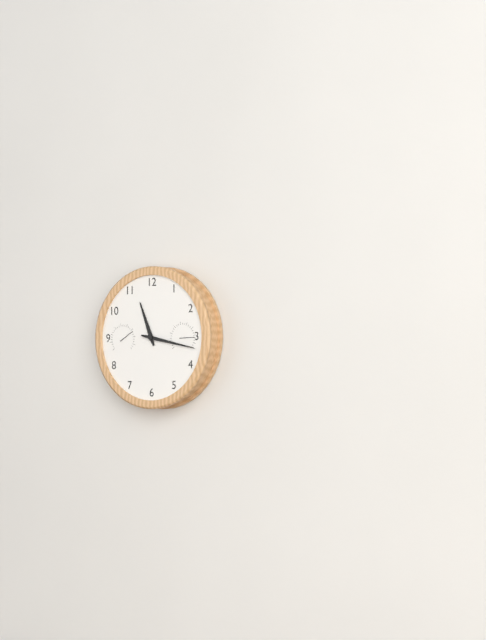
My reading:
11h17
